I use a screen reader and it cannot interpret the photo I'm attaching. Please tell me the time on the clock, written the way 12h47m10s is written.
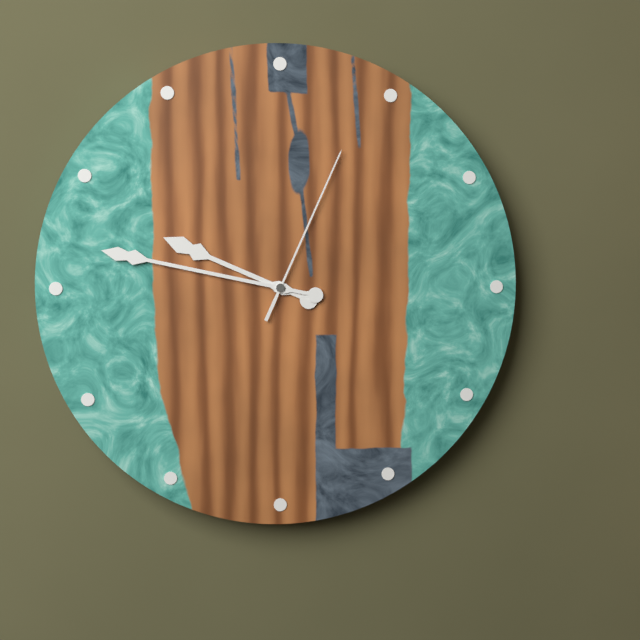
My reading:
9h47m04s
